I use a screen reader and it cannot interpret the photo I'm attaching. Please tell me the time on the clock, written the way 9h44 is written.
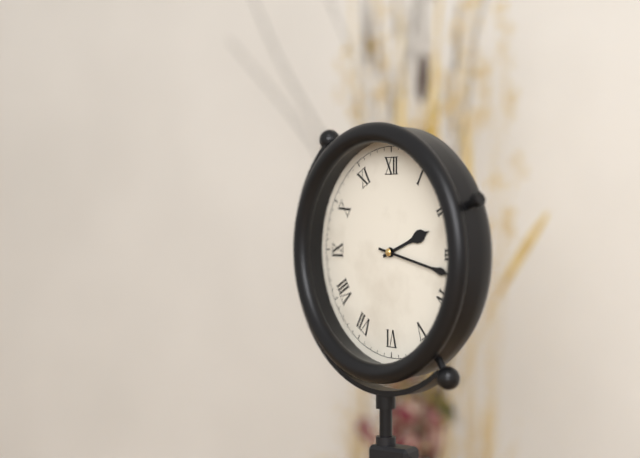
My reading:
2h17
